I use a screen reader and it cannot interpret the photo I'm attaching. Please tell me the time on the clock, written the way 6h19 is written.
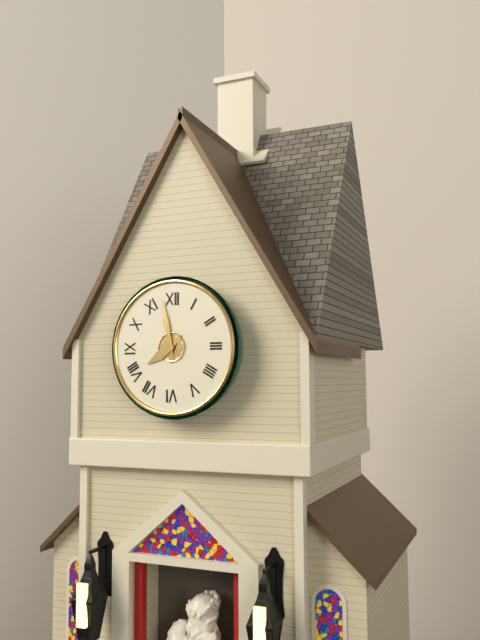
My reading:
7h58
